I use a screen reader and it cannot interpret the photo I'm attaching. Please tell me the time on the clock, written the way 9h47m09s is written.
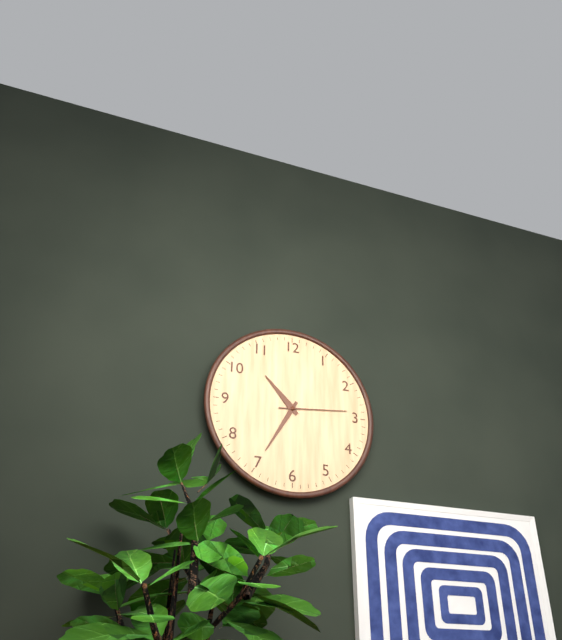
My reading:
10h35m14s
